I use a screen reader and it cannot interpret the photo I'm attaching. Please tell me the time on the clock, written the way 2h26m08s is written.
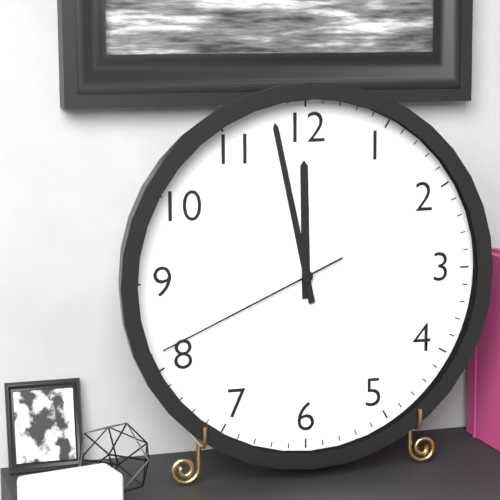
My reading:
11h58m41s
